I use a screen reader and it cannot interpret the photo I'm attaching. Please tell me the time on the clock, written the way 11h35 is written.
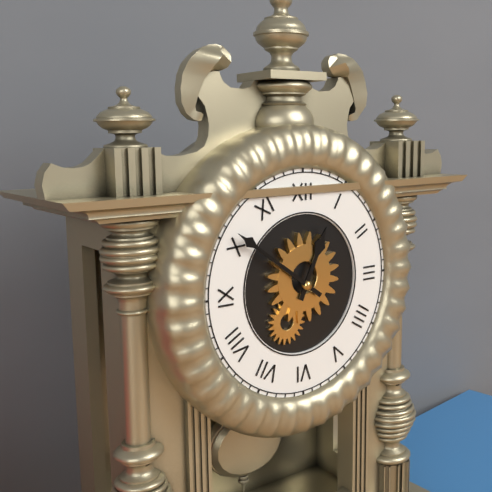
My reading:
12h51
